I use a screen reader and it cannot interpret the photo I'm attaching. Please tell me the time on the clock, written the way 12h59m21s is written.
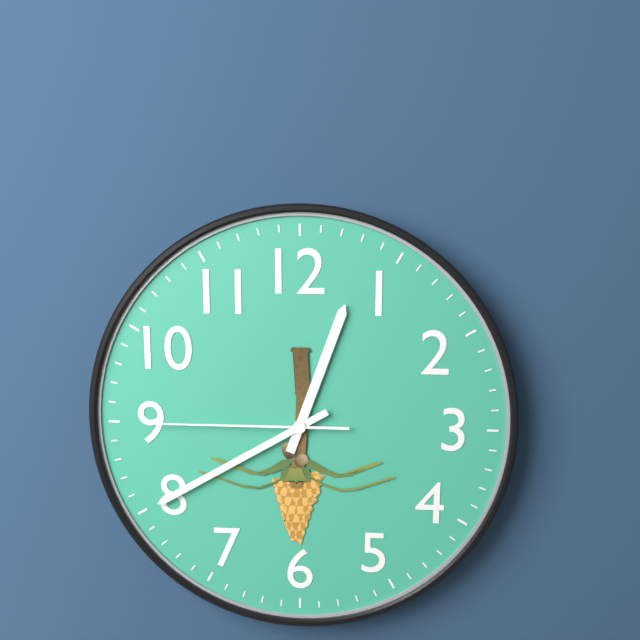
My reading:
12h40m45s
